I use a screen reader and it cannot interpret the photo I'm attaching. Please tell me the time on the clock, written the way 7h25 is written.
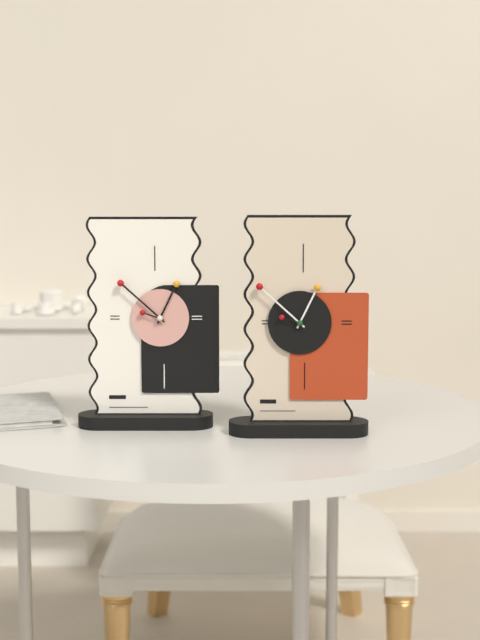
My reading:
12h52
